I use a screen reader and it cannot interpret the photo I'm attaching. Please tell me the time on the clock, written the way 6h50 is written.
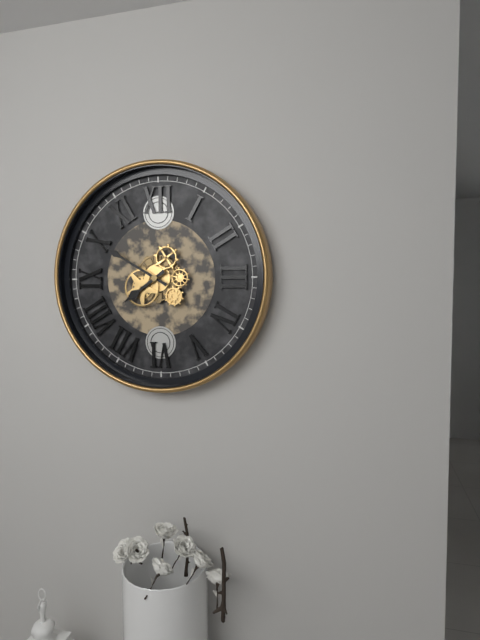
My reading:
7h50
